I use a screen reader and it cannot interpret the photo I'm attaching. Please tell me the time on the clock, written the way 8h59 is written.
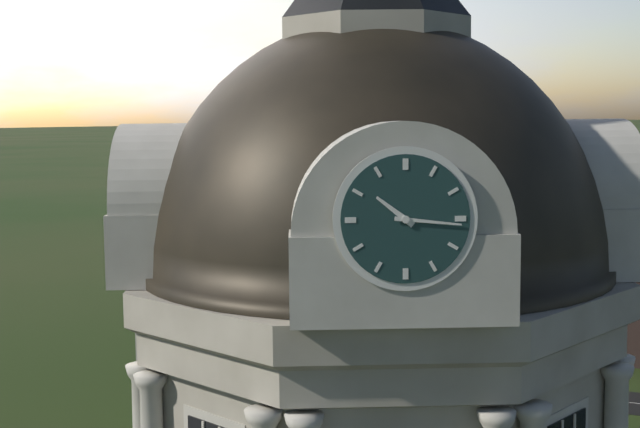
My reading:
10h16
